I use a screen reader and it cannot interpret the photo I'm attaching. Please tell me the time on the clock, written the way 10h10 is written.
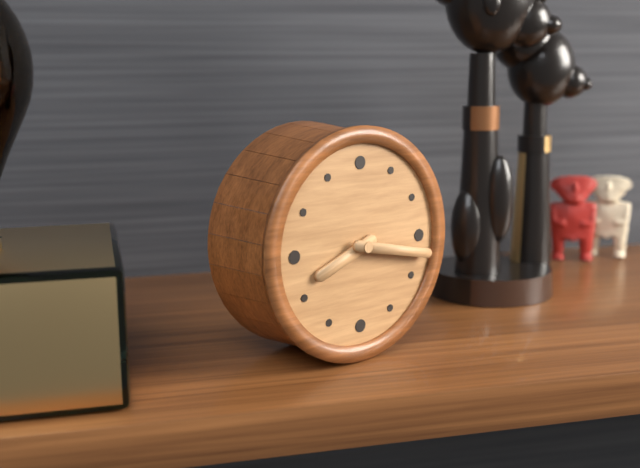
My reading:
8h17
